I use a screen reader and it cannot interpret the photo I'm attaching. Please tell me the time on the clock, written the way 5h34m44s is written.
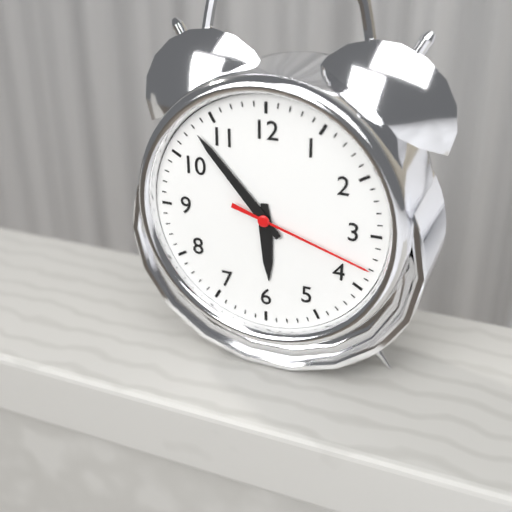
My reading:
5h53m18s
